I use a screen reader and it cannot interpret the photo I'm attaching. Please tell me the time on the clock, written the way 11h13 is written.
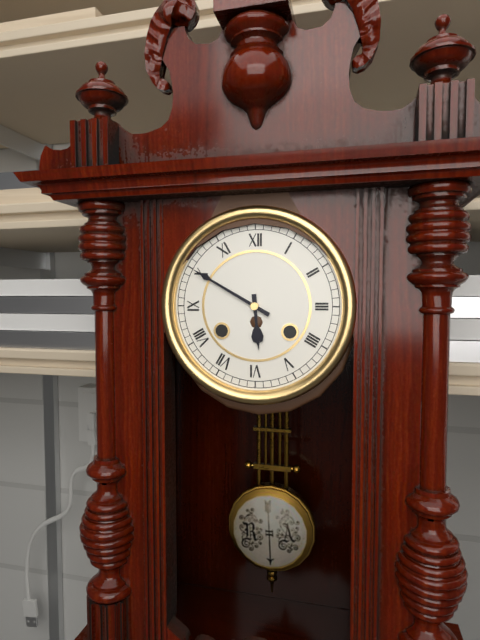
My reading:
5h50
